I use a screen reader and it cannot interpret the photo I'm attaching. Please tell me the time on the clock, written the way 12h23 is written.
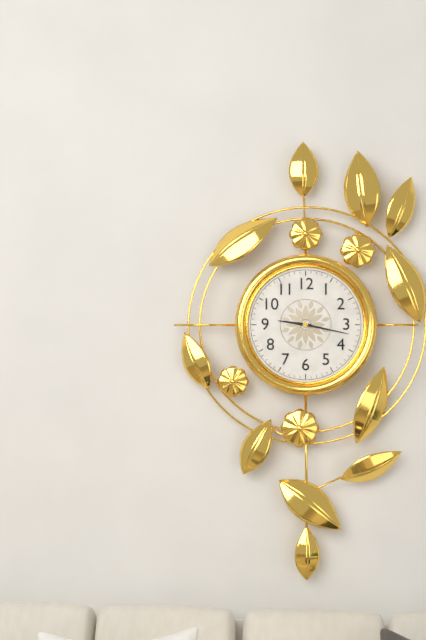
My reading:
9h17
